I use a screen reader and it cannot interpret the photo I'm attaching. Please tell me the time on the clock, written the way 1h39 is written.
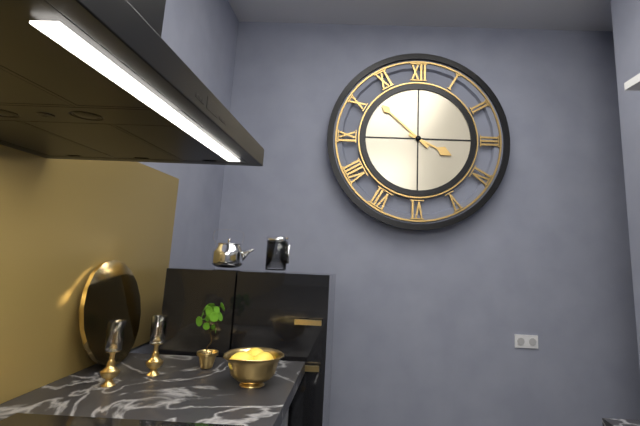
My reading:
3h52
